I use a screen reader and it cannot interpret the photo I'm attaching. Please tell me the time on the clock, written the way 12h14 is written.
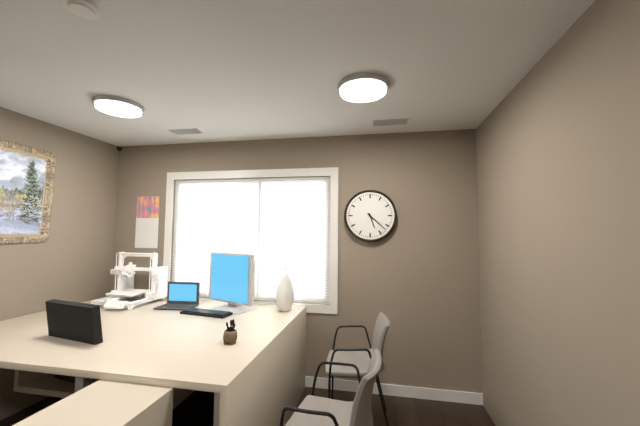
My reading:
5h22
